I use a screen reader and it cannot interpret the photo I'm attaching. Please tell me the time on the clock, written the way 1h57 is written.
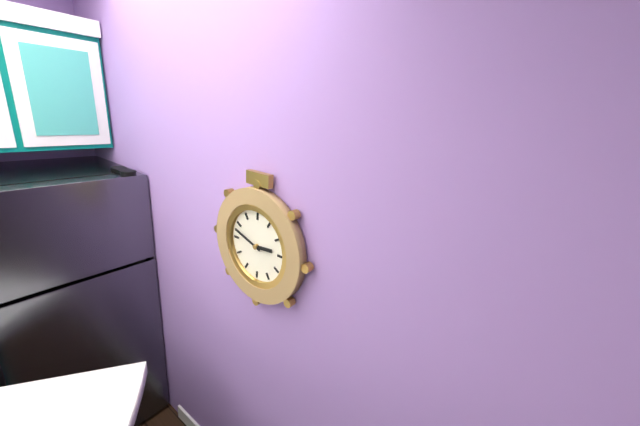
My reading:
2h48
